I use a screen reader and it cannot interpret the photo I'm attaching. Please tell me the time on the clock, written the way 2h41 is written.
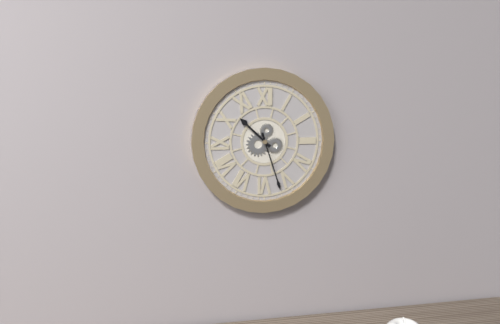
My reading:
10h27
